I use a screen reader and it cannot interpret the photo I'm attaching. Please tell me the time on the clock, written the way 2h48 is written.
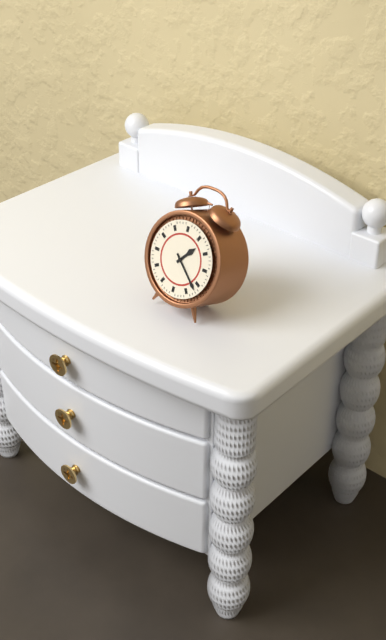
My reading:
1h22
